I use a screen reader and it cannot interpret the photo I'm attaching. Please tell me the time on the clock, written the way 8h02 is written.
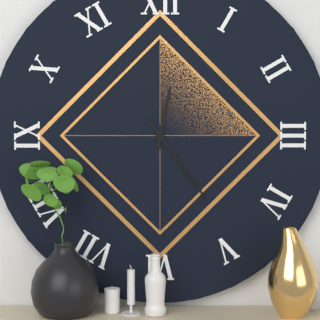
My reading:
12h24
